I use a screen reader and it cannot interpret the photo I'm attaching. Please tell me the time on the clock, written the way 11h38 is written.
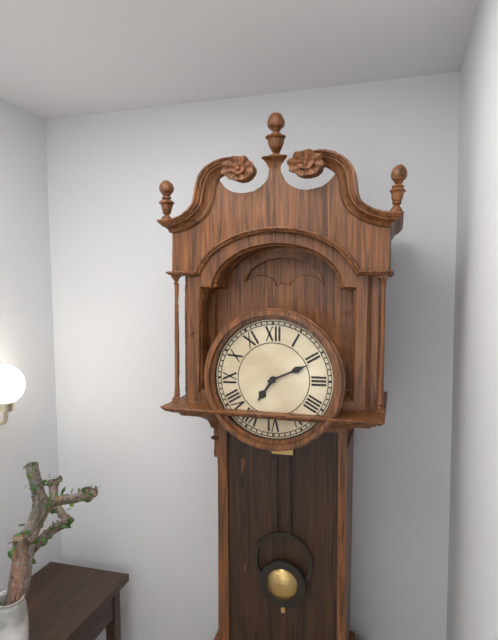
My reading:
7h11
